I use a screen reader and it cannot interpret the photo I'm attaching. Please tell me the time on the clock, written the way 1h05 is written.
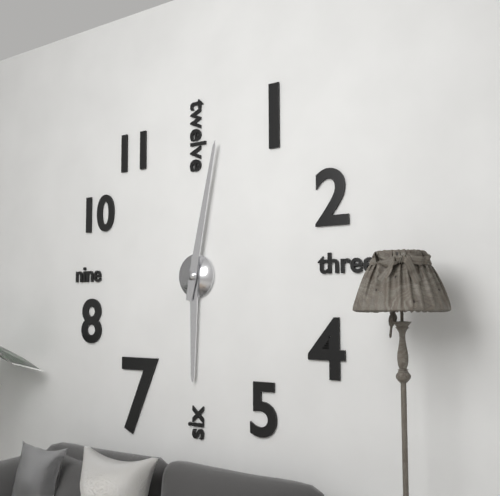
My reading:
6h02
